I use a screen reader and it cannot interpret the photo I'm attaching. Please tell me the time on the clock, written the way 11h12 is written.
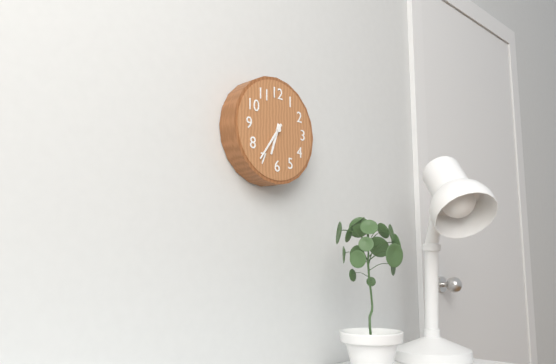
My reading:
6h36
